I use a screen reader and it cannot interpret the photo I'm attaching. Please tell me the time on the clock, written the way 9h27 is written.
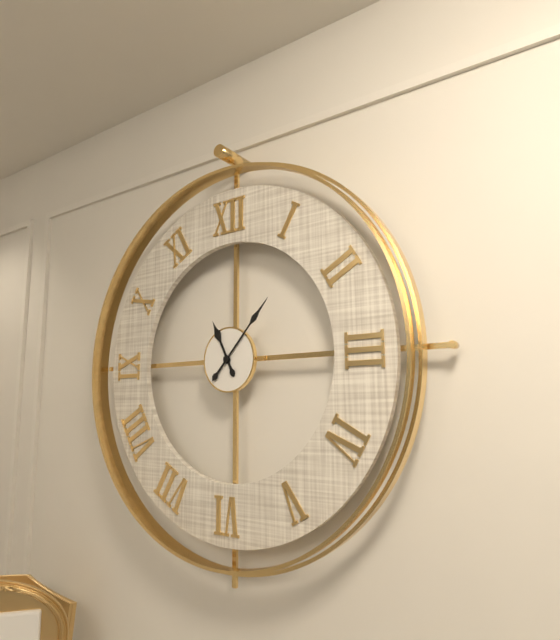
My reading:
11h07
